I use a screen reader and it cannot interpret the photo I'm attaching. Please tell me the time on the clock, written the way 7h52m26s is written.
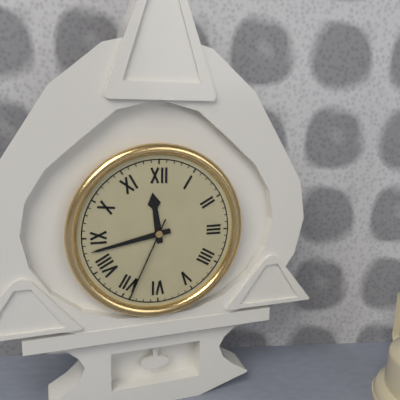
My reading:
11h43m34s
